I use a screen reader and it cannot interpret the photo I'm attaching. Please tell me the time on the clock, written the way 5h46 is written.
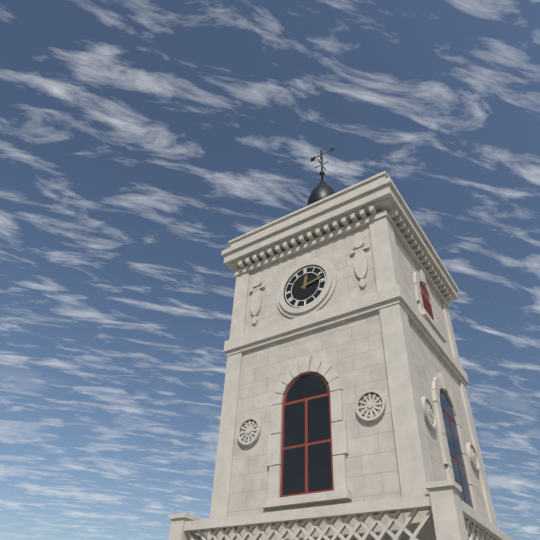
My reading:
12h13
